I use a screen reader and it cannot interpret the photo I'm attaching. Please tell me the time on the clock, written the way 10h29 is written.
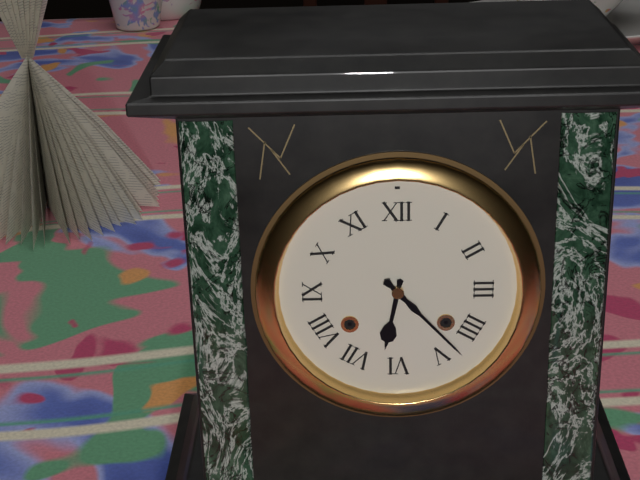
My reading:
6h23
